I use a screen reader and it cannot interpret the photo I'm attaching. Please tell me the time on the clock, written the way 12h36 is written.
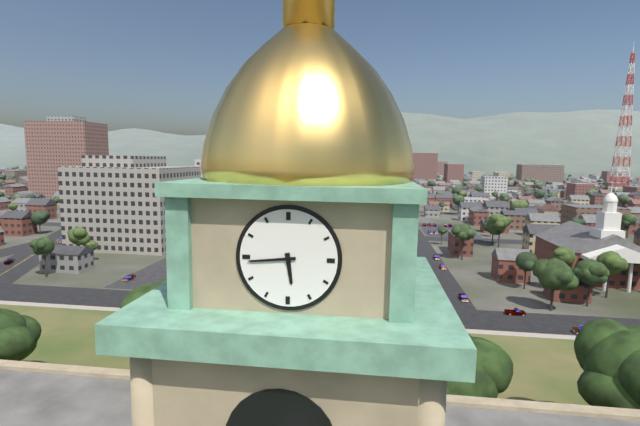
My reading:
5h44
